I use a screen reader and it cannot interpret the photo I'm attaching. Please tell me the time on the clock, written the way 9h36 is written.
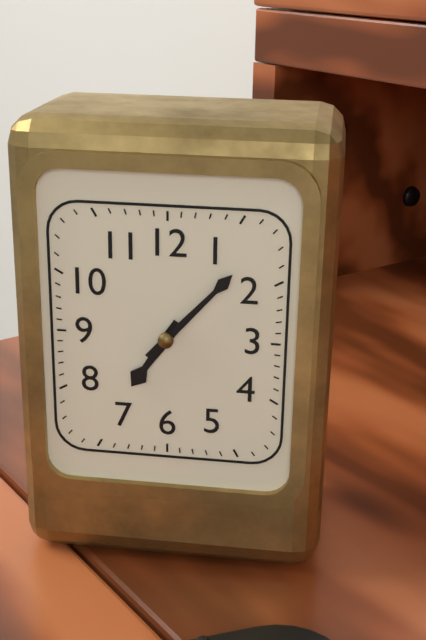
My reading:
7h07
